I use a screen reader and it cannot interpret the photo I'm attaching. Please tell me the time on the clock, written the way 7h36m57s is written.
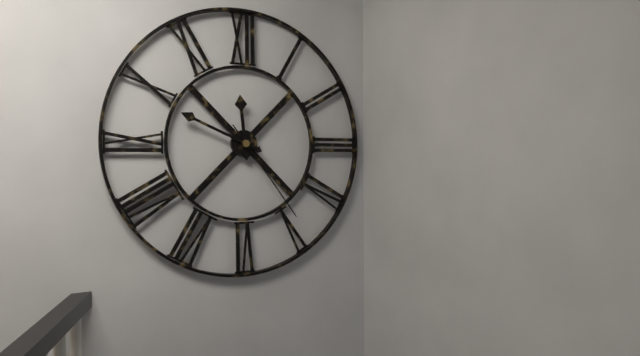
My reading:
11h49m24s
